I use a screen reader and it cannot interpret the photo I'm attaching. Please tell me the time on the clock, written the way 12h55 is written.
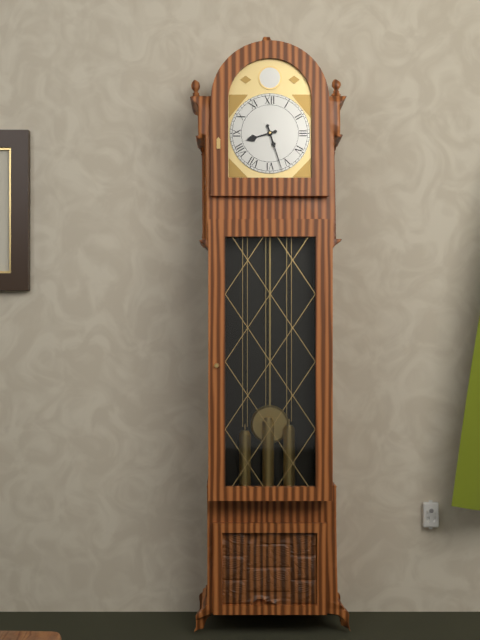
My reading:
8h27
